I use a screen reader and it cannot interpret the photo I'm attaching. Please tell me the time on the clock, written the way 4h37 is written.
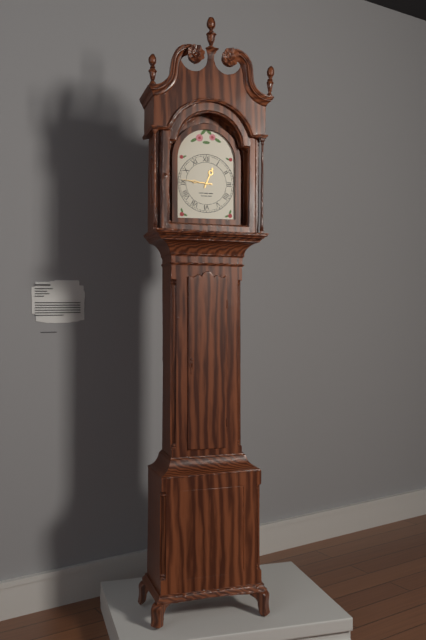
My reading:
12h46
